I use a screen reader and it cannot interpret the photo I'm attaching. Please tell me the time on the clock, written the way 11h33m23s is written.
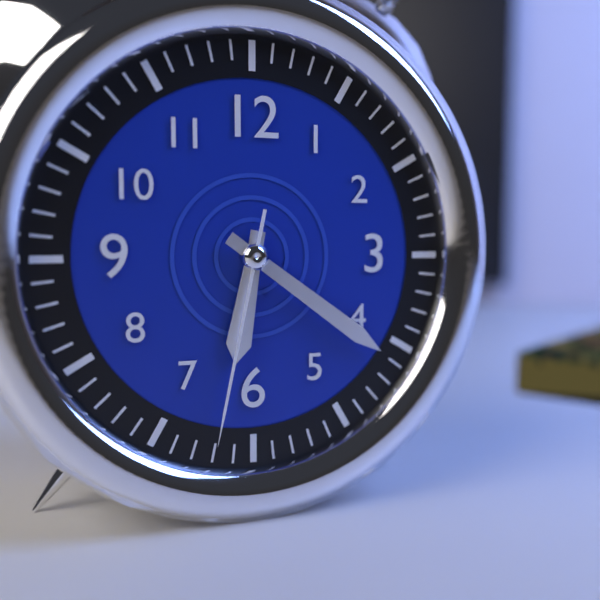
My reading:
6h21m32s
